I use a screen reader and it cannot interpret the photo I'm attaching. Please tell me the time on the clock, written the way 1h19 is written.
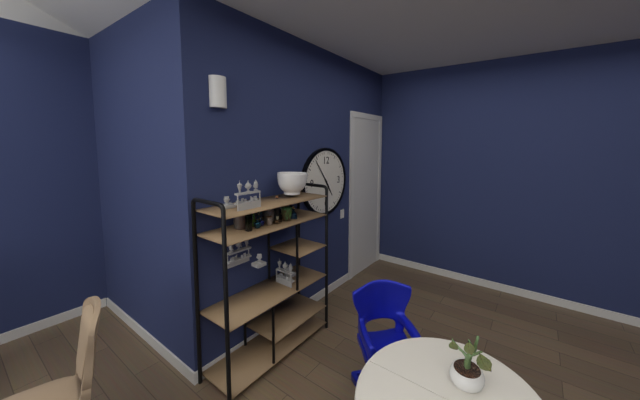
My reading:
4h54
